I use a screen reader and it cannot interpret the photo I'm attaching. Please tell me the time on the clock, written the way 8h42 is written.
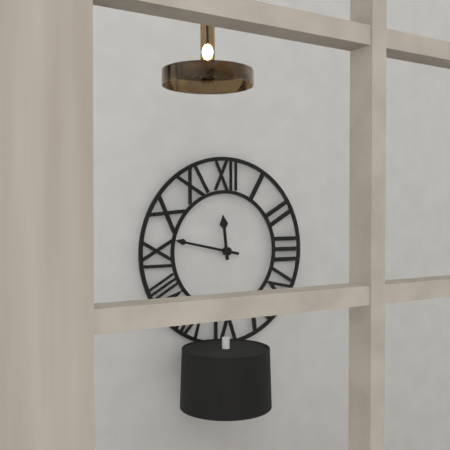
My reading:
11h47
